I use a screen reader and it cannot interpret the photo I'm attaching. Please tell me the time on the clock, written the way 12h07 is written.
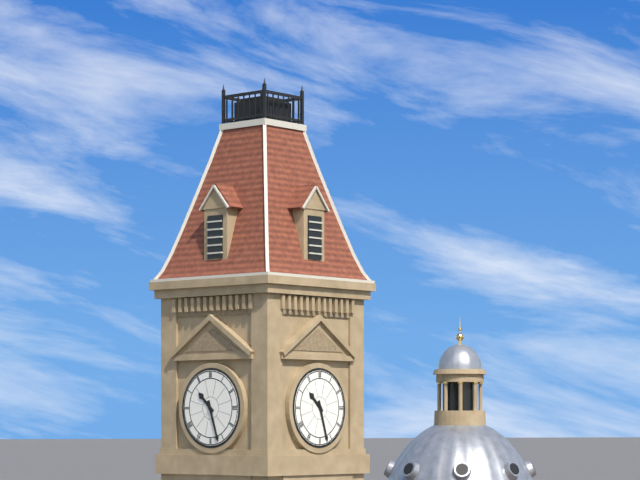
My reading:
10h27
